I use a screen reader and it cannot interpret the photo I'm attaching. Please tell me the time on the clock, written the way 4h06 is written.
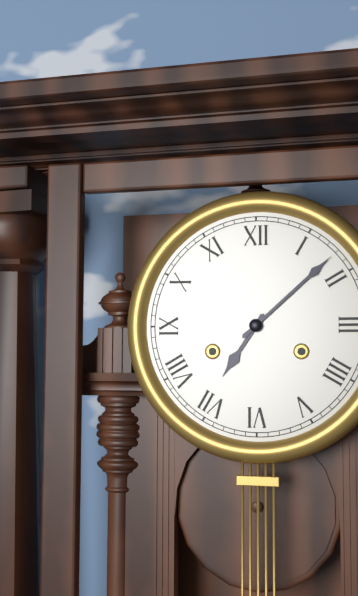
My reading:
7h08
